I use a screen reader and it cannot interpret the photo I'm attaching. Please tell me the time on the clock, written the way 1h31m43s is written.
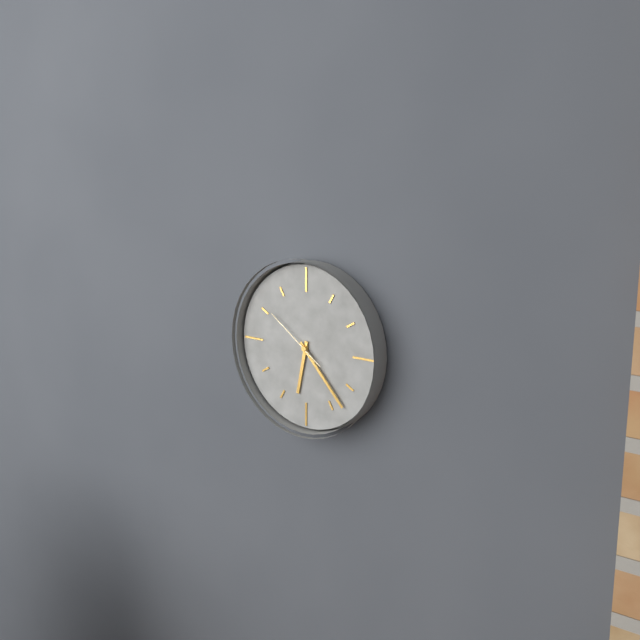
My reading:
6h23m51s
